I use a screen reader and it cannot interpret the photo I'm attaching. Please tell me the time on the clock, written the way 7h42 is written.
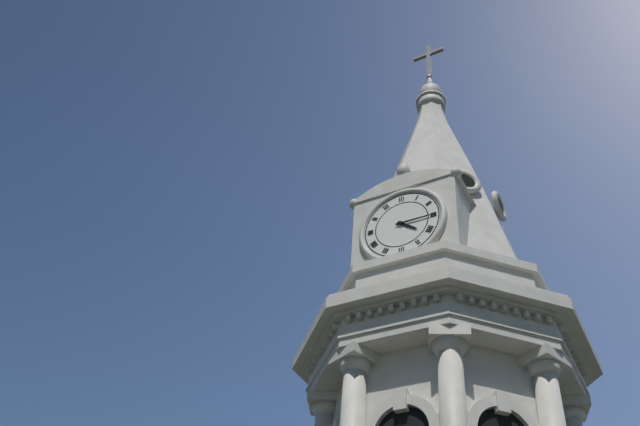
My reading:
4h15
